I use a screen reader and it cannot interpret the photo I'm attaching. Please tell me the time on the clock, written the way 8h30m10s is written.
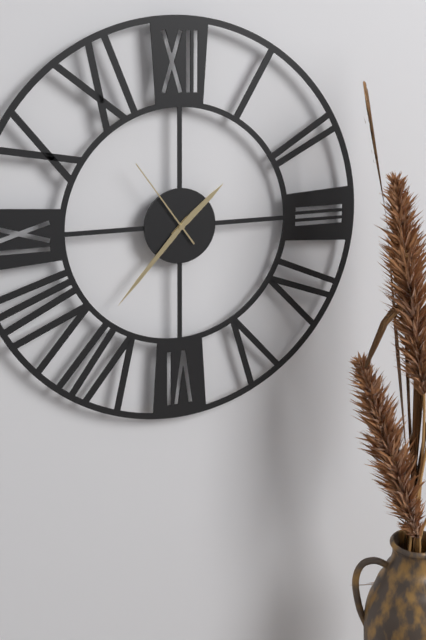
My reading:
1h37m54s
